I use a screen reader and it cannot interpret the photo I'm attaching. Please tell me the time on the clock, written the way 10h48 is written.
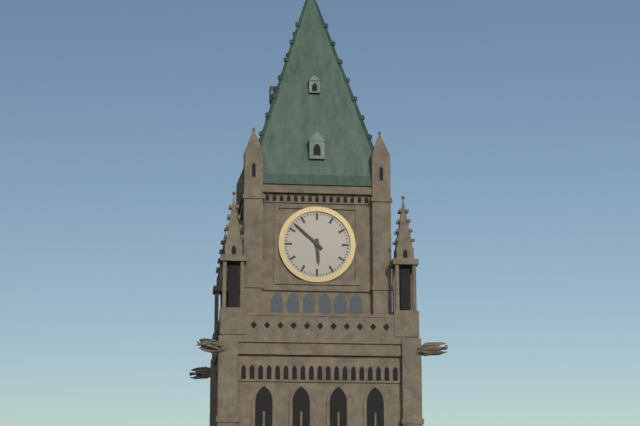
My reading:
5h52
